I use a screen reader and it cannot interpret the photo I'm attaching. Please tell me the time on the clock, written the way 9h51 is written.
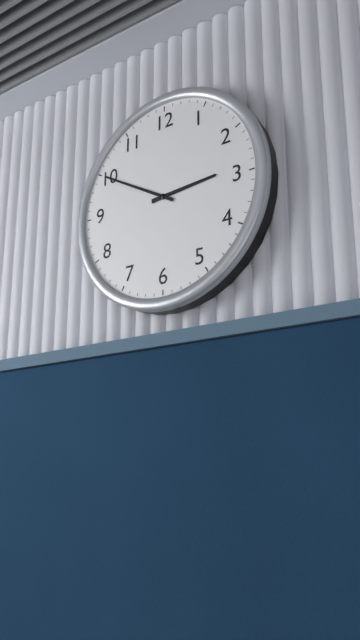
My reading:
2h50
